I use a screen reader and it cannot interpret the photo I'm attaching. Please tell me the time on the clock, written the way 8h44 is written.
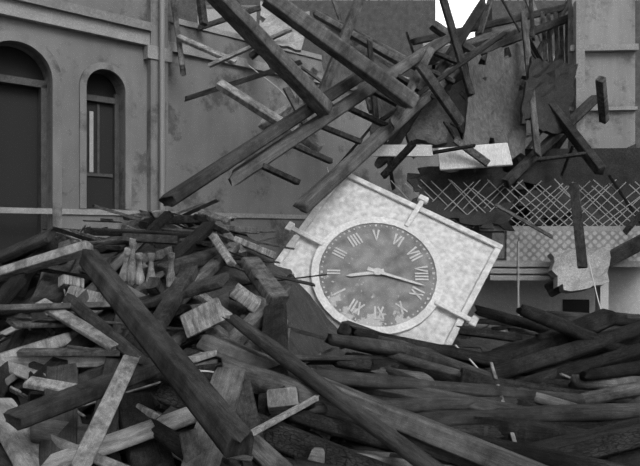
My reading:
1h43
